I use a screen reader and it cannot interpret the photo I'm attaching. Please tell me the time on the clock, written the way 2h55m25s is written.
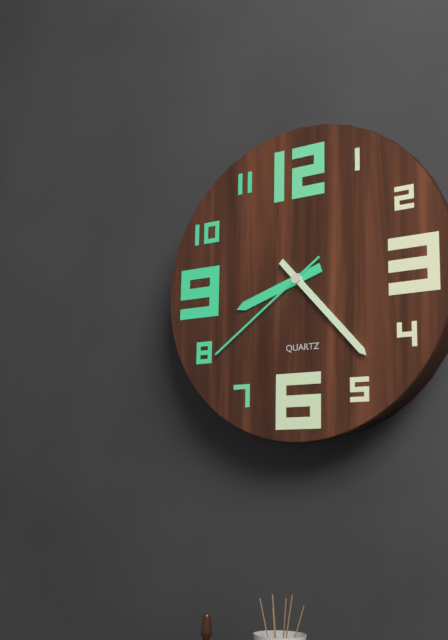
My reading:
8h23m39s
